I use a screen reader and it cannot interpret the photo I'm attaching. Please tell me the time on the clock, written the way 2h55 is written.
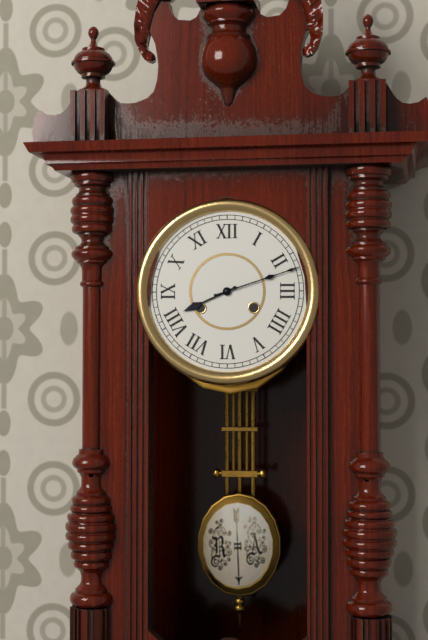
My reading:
8h12
